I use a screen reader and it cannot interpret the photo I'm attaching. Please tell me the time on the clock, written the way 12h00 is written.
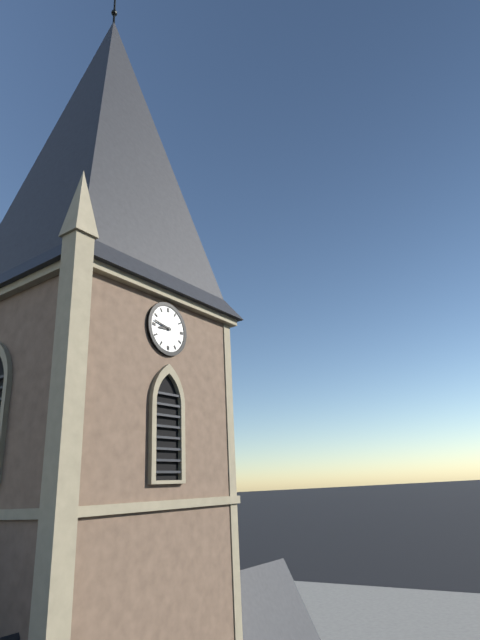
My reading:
8h47
